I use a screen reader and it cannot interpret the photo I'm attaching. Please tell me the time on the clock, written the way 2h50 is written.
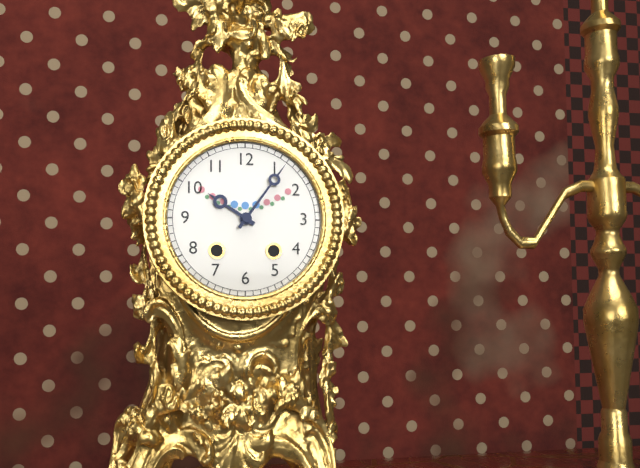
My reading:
10h06
